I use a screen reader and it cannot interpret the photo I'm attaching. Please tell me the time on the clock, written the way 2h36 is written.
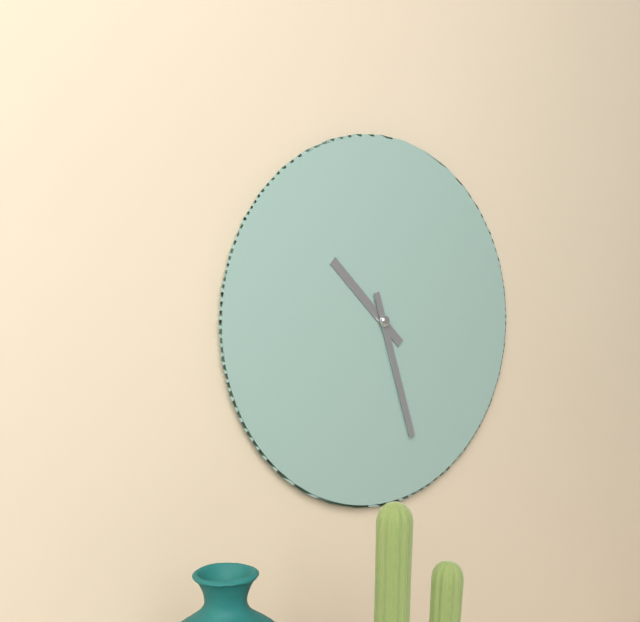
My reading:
10h27
